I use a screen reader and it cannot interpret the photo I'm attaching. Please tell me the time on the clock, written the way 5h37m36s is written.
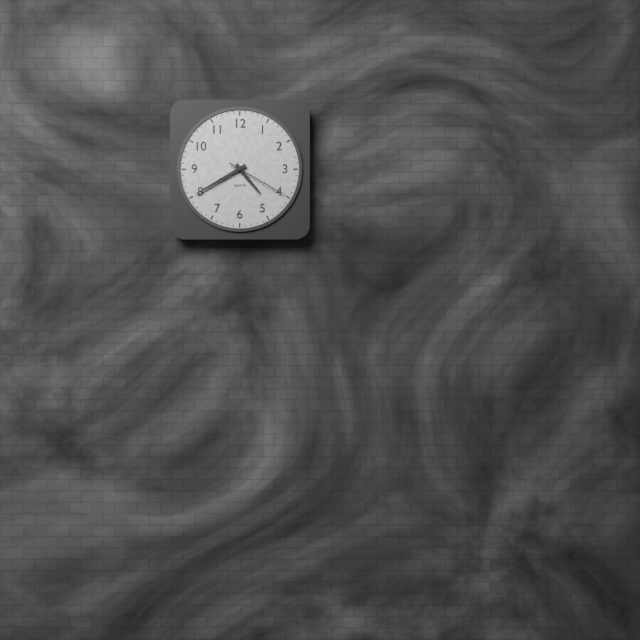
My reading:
4h40m20s
